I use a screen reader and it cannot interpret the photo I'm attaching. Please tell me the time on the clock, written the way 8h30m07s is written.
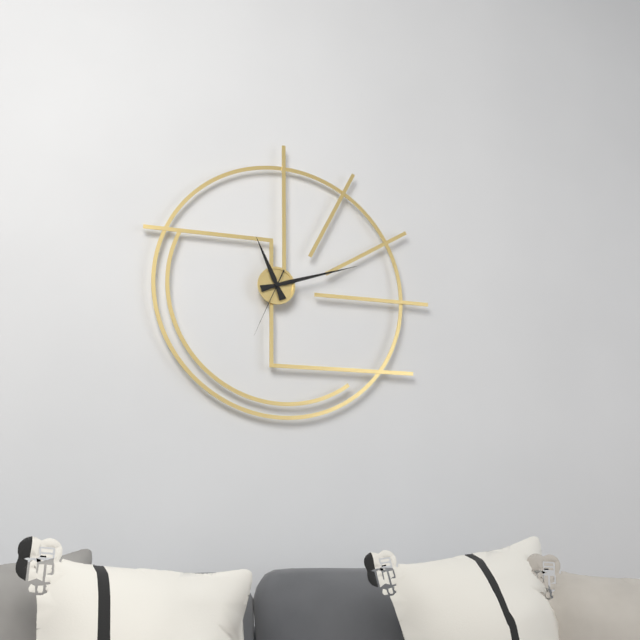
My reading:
11h12m34s
